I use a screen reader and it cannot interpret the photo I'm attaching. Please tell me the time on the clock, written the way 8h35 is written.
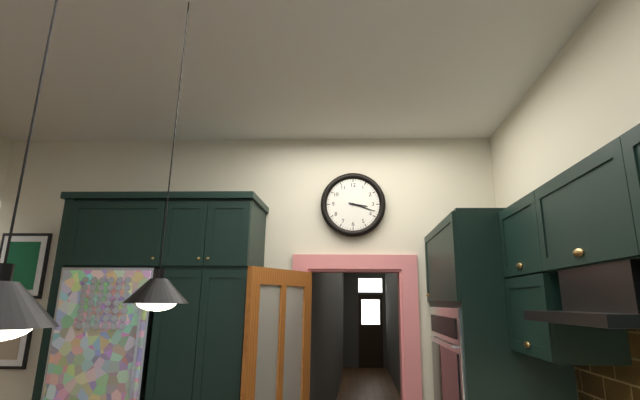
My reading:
3h18
